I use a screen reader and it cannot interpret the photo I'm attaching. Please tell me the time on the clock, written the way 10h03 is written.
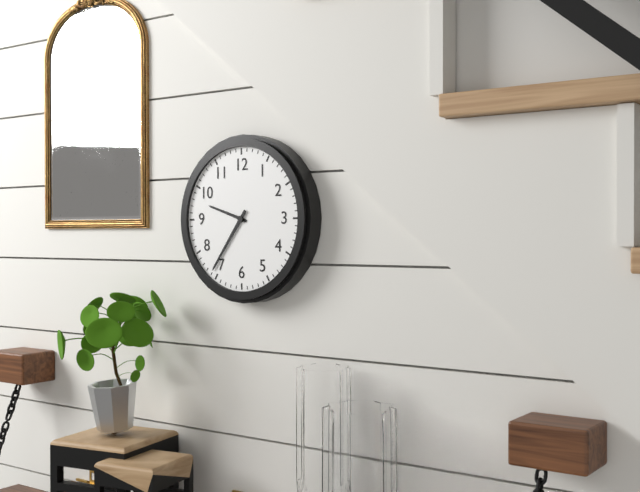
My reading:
9h36
